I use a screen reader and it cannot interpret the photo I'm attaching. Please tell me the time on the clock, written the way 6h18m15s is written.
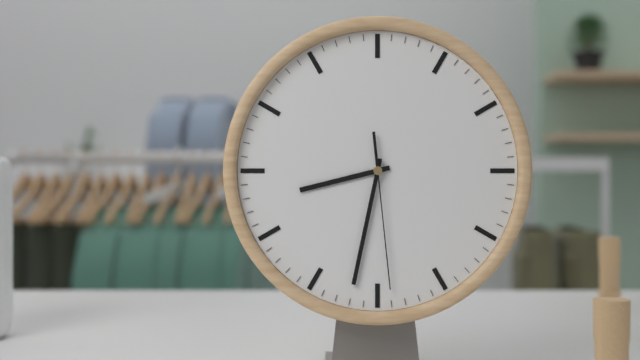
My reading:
8h32m29s
